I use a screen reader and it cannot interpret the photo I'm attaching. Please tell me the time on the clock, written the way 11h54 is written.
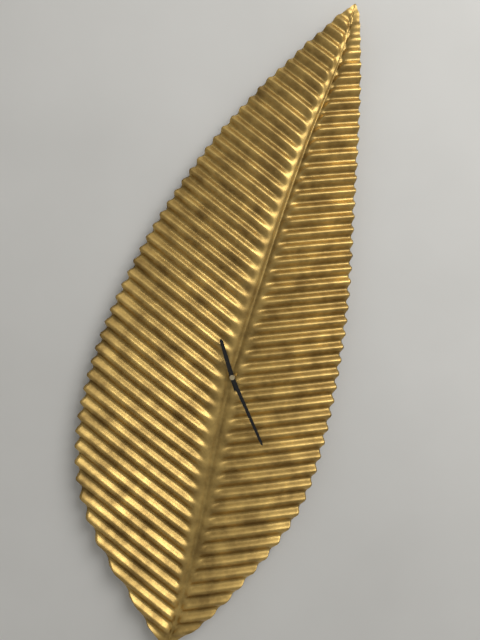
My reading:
11h26
